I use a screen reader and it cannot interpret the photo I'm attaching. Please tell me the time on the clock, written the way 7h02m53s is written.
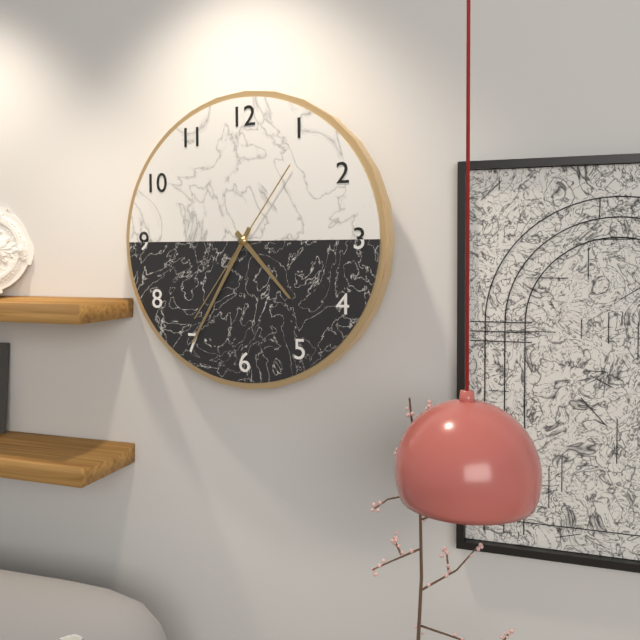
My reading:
4h35m36s
